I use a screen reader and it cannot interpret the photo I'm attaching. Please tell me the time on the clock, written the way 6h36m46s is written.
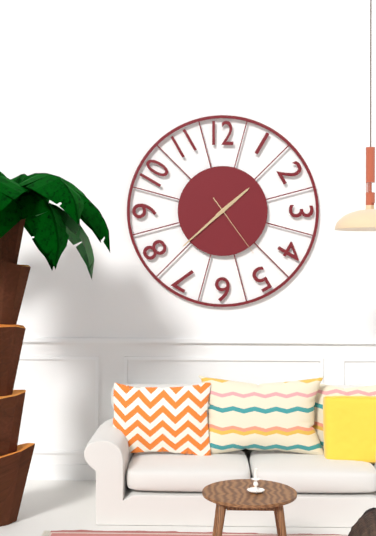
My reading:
1h38m24s
